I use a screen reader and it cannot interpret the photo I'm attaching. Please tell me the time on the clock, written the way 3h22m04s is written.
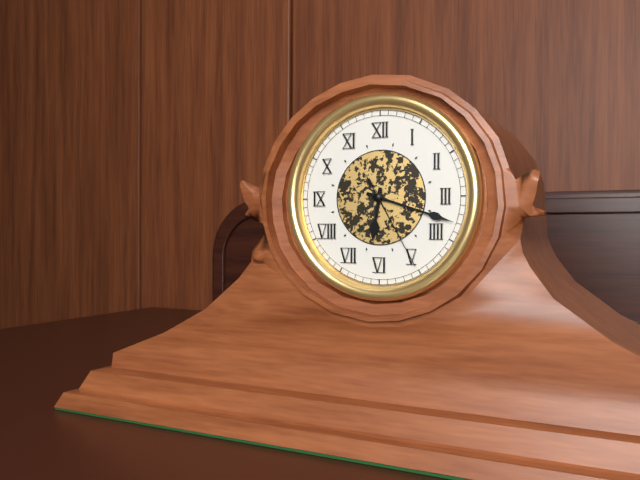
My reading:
6h18m25s
